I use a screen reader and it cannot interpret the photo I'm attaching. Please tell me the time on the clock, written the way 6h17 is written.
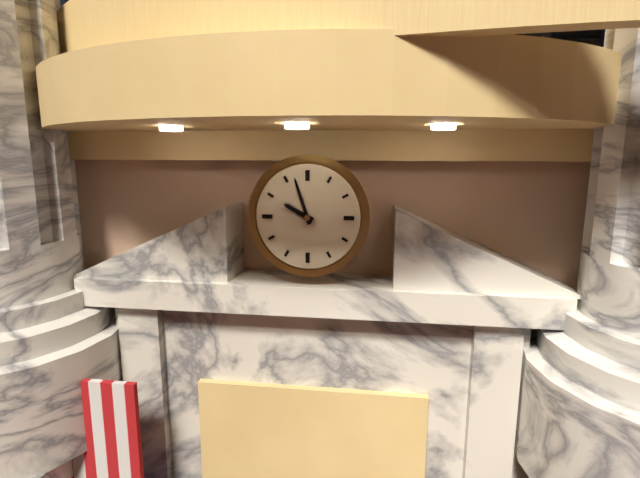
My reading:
9h57
